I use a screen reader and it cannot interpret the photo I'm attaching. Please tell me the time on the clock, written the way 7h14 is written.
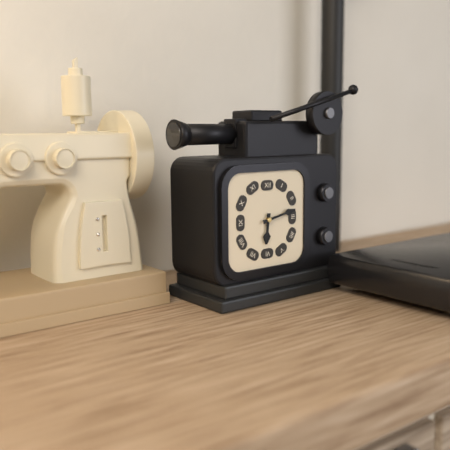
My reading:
6h13
